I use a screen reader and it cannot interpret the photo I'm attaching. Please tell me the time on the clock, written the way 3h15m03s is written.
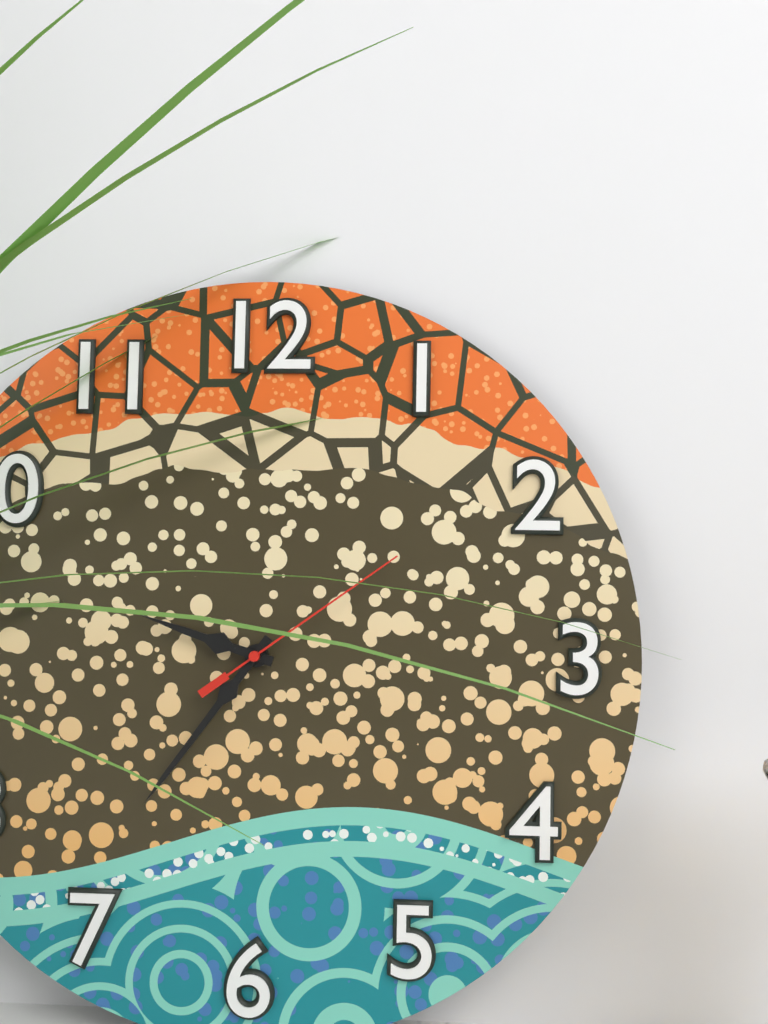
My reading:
9h36m09s
